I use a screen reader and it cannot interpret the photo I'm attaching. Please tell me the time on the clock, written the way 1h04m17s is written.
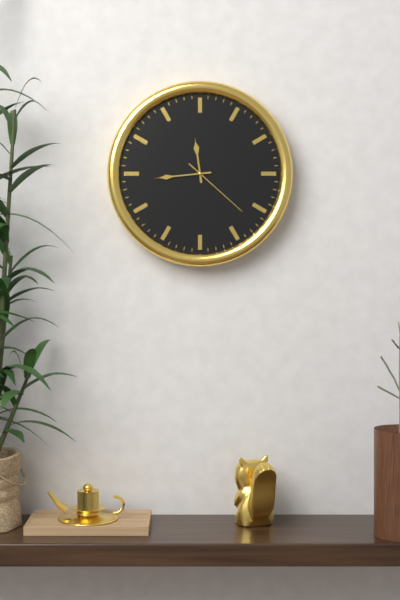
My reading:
11h44m22s
